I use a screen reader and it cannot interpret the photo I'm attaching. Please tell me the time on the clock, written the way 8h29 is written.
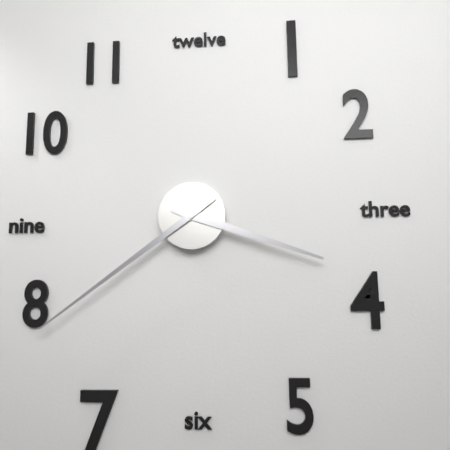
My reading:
3h39
